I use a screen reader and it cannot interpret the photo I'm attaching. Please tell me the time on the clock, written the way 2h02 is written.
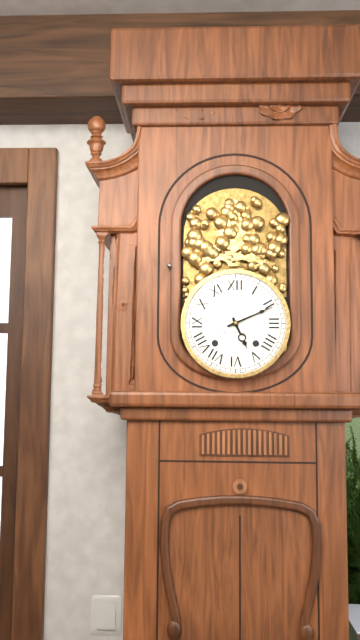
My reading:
5h11
